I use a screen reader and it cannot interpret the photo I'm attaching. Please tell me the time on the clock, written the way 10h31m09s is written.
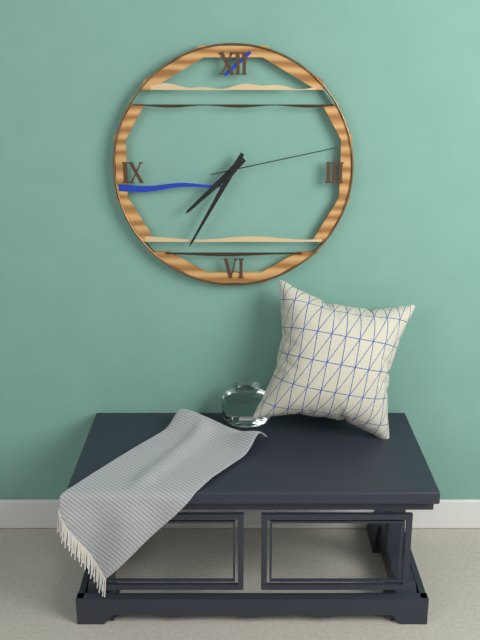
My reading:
7h35m13s
